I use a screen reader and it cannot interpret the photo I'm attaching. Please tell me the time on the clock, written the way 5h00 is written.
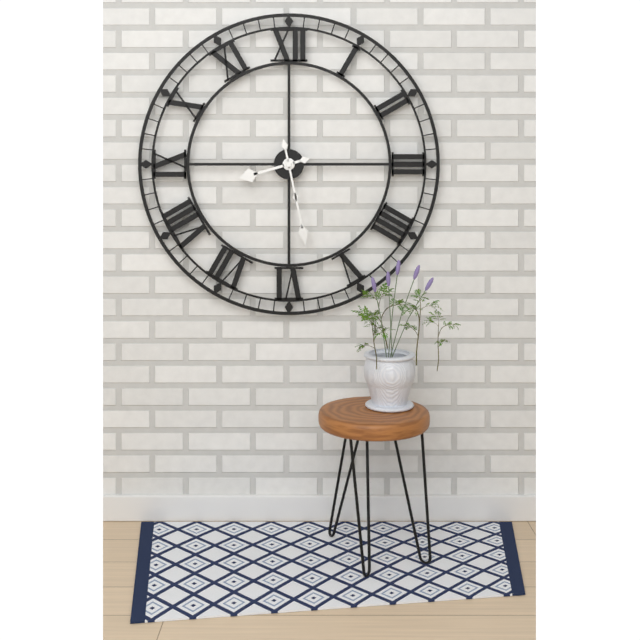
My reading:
8h28
